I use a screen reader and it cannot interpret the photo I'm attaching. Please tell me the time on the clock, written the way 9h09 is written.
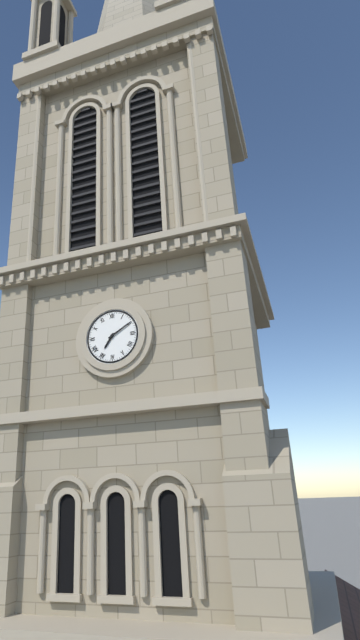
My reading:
7h10
